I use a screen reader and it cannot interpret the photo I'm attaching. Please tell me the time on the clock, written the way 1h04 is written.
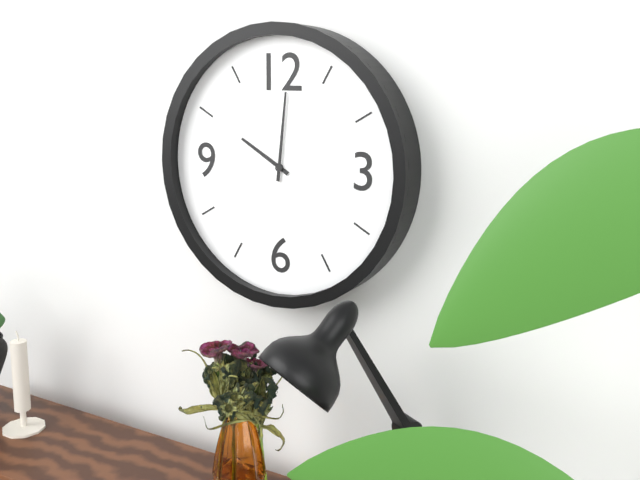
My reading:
10h01
